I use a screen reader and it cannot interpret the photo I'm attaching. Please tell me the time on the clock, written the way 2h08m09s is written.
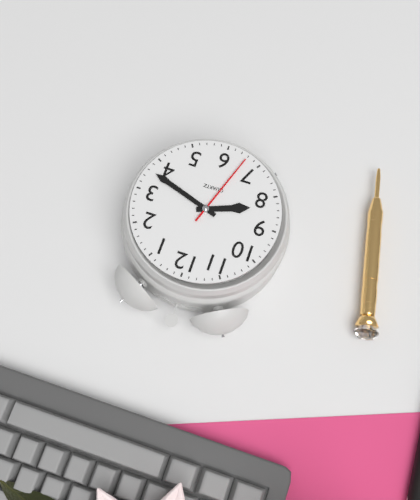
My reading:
8h18m33s
